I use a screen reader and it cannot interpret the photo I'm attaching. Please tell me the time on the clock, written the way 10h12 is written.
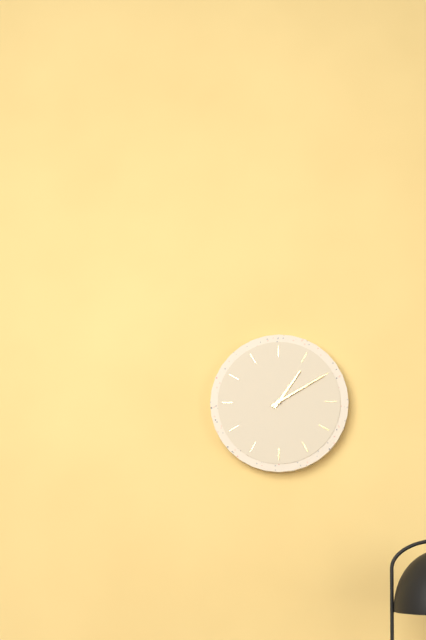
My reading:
1h10
